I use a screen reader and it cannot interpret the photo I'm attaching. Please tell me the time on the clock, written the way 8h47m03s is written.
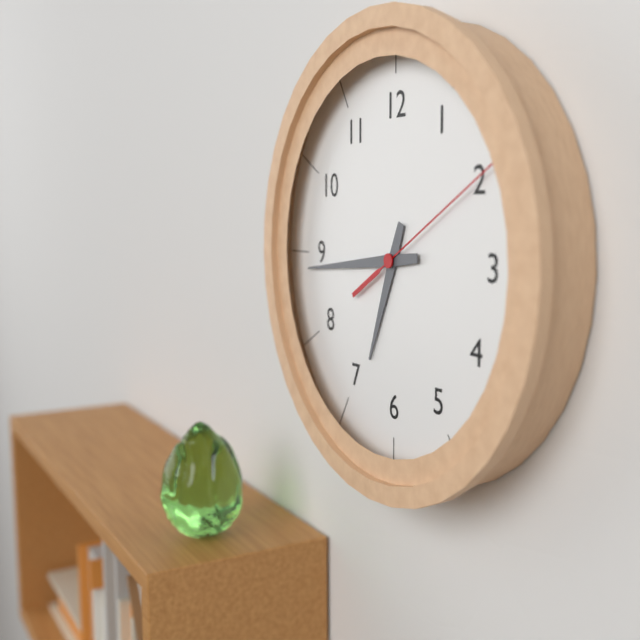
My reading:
6h44m10s
